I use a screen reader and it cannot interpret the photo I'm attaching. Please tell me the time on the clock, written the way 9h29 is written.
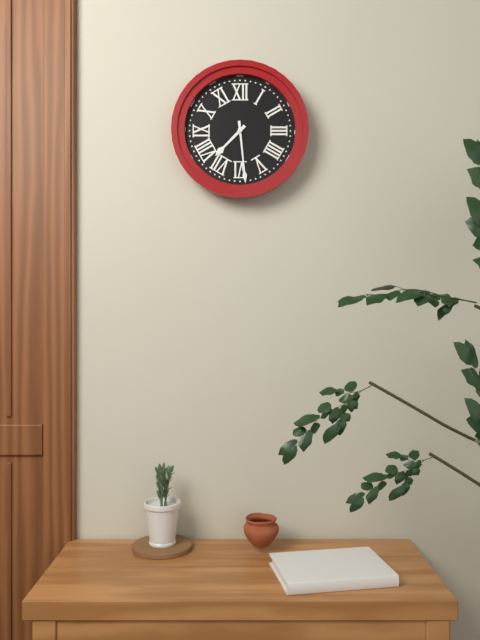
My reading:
7h29
